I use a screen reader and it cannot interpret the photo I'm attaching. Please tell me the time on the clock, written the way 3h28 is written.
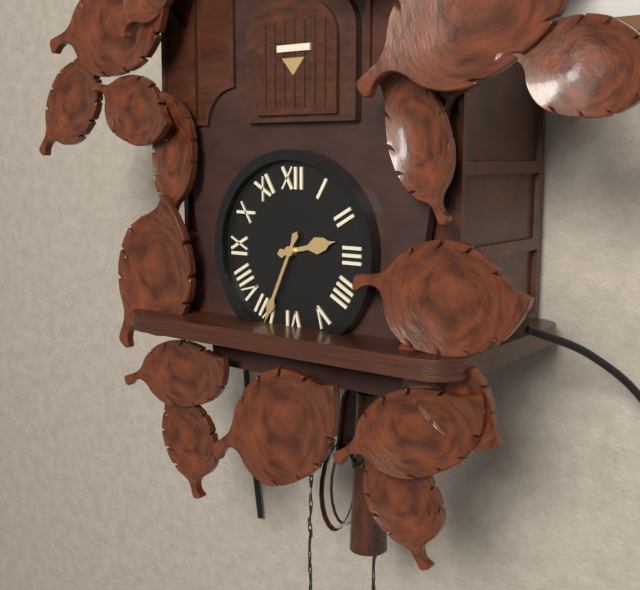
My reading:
2h34
